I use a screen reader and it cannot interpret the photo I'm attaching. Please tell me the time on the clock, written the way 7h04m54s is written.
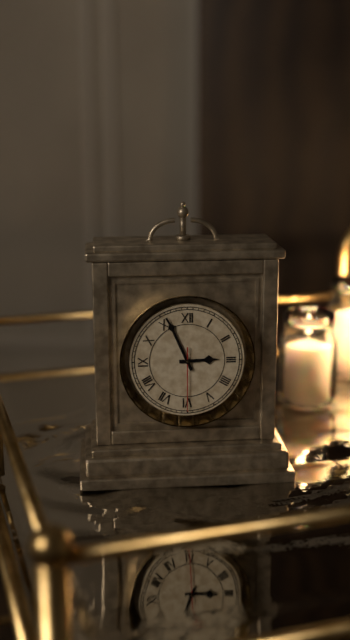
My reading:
2h56m30s
